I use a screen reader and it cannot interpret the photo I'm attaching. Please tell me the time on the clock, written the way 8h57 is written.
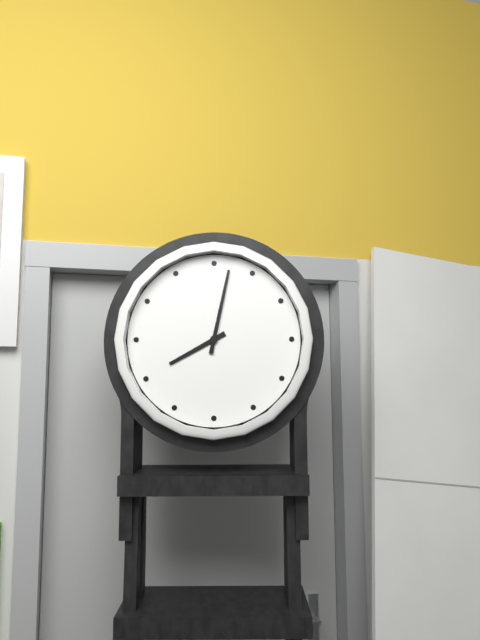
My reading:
8h02
